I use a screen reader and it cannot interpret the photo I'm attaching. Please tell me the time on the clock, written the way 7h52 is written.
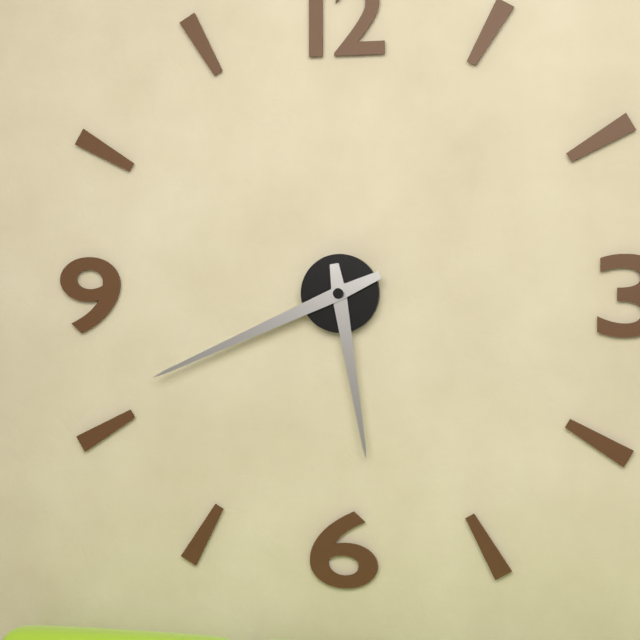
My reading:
5h41
